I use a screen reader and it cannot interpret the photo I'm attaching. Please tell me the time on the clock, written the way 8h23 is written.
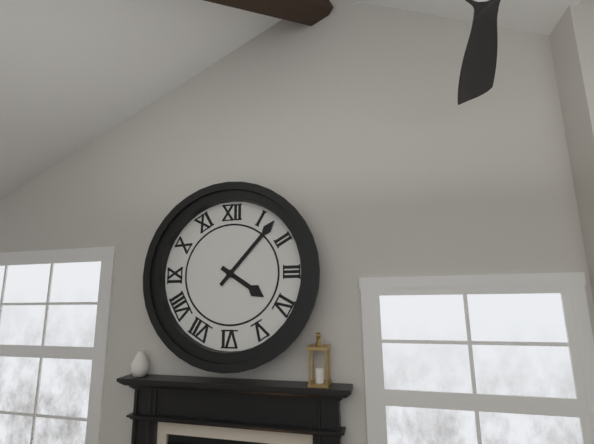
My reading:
4h07
